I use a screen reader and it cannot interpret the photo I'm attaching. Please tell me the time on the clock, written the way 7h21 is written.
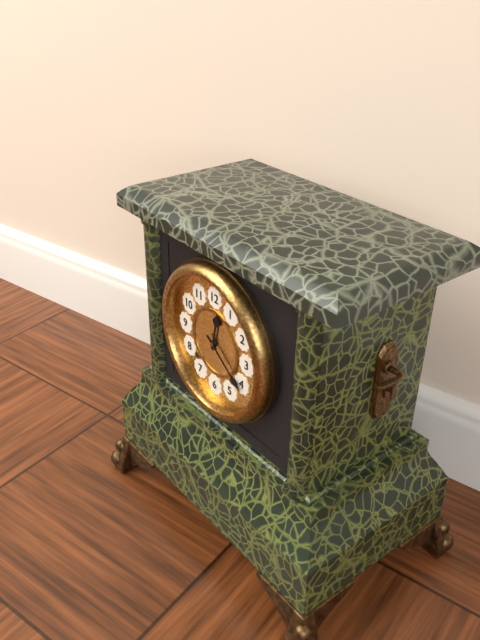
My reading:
12h21
